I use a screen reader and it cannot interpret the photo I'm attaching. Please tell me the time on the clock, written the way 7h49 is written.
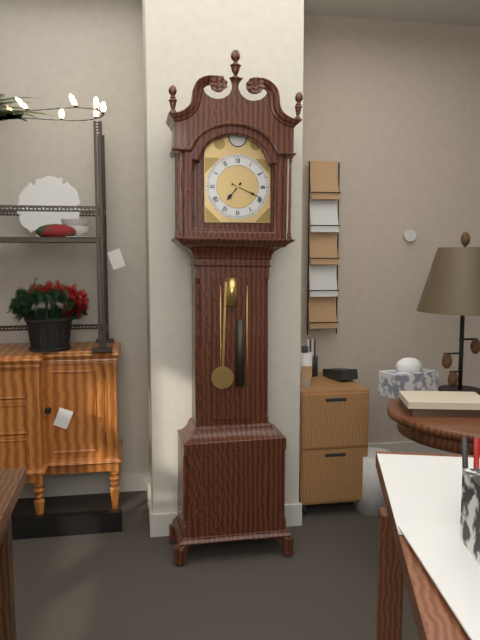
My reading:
7h19
